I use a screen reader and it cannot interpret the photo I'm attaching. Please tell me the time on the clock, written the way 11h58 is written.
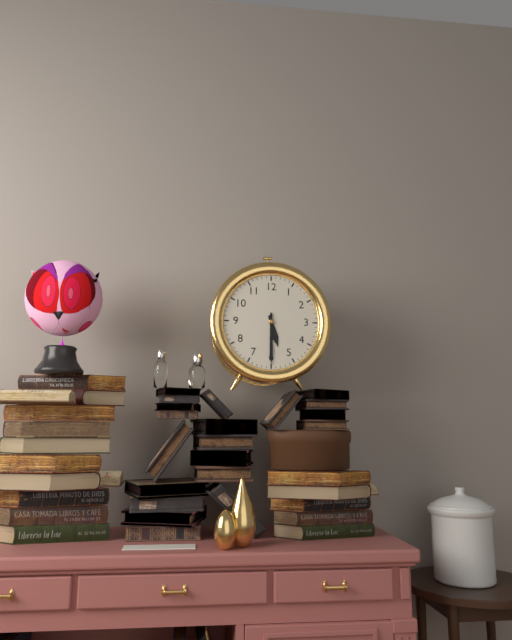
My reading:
5h30
